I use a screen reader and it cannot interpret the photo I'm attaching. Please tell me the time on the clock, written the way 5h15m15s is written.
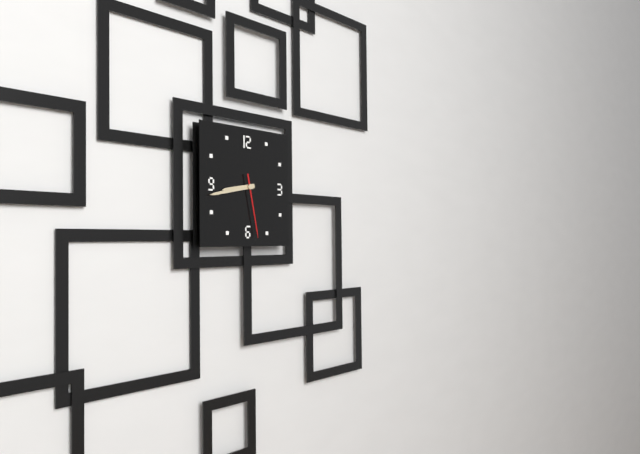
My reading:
8h43m28s
